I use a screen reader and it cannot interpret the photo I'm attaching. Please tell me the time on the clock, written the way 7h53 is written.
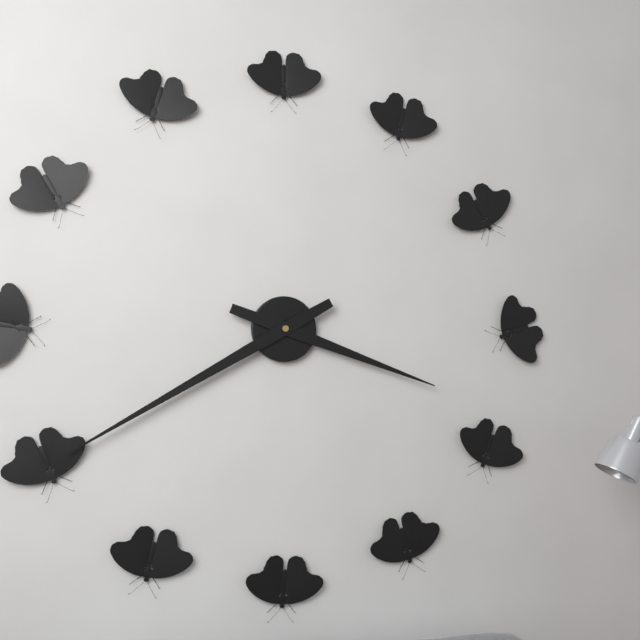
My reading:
3h40
